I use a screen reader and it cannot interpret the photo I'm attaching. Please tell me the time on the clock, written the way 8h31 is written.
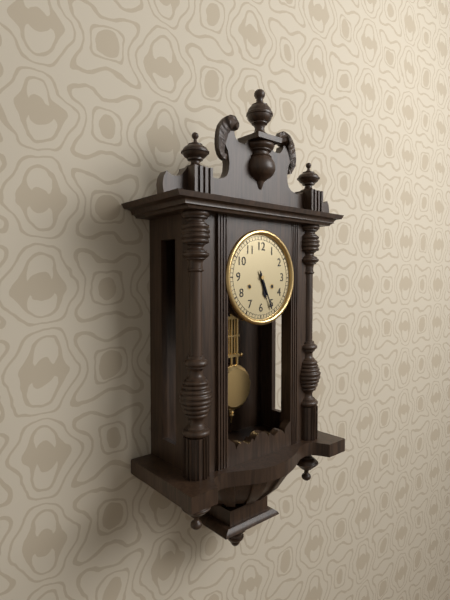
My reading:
5h26
